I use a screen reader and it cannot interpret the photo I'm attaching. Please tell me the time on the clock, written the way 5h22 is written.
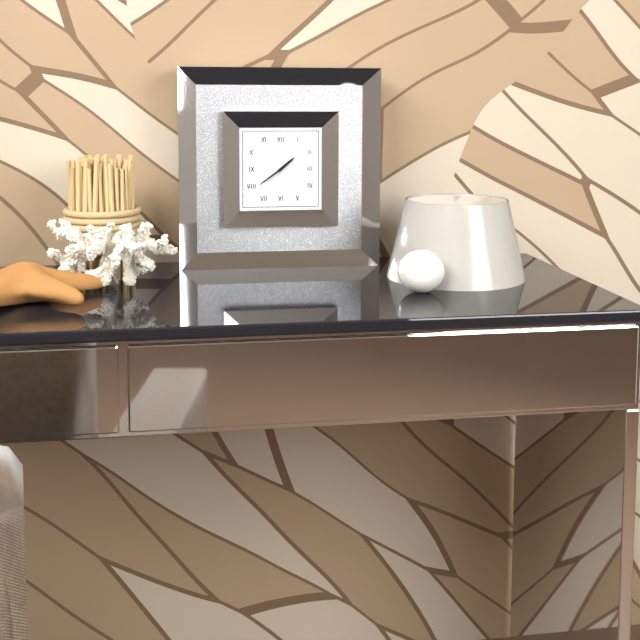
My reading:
1h39
